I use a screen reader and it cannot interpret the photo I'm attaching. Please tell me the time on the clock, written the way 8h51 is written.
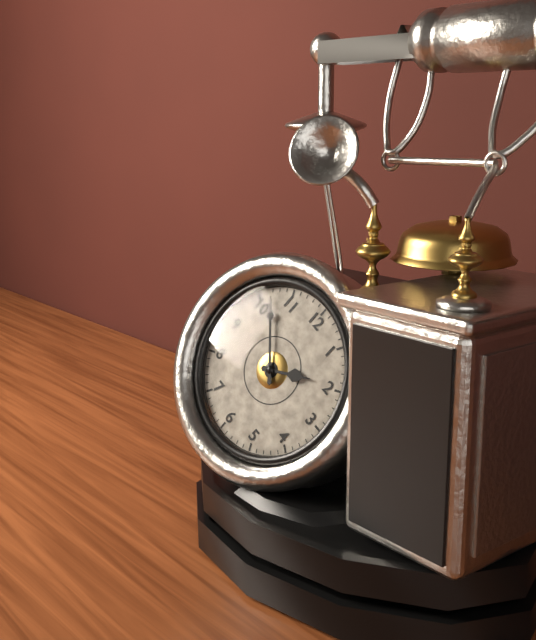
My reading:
1h52
